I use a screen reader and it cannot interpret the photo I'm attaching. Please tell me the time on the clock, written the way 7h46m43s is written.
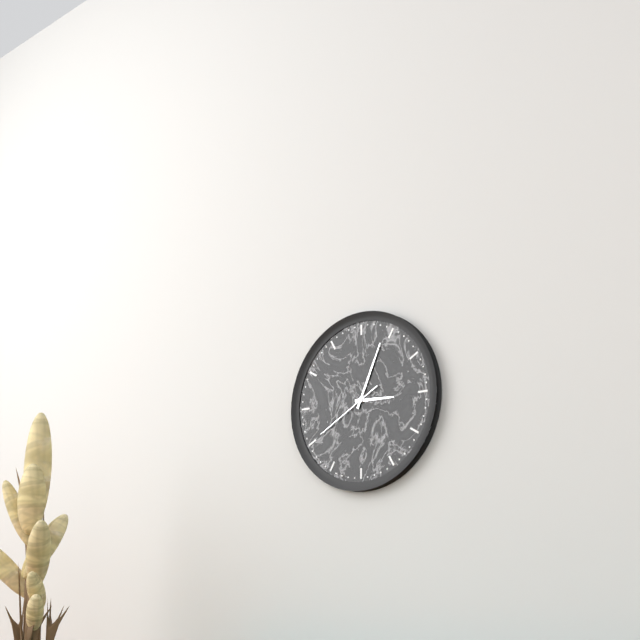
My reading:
3h04m40s
